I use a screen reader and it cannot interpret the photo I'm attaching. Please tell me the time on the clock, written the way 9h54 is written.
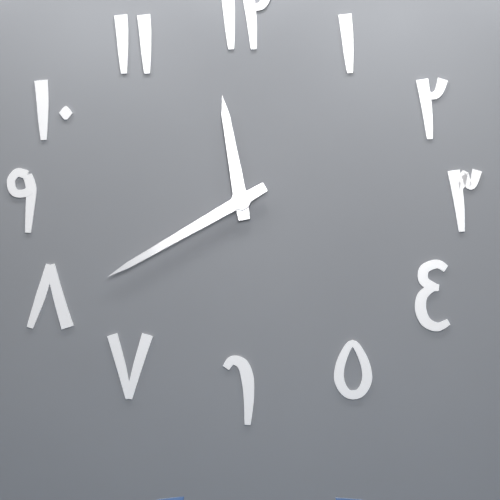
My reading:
11h40
